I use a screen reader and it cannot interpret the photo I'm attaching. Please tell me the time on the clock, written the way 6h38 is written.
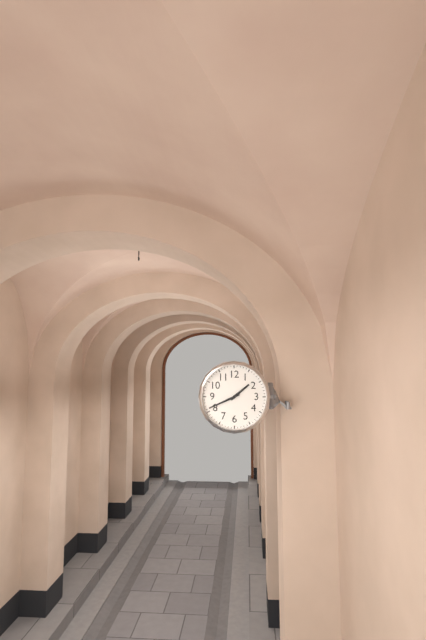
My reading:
1h41
